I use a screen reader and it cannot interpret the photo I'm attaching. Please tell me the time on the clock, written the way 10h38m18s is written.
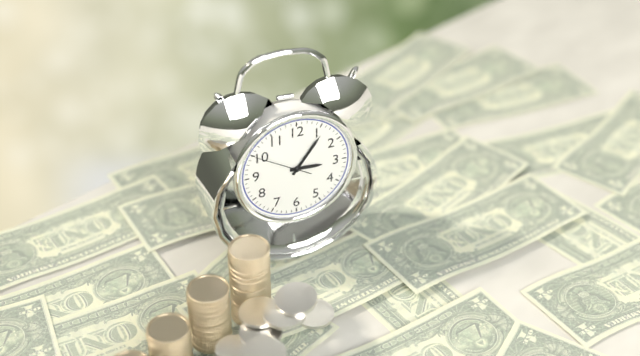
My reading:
3h06m50s
